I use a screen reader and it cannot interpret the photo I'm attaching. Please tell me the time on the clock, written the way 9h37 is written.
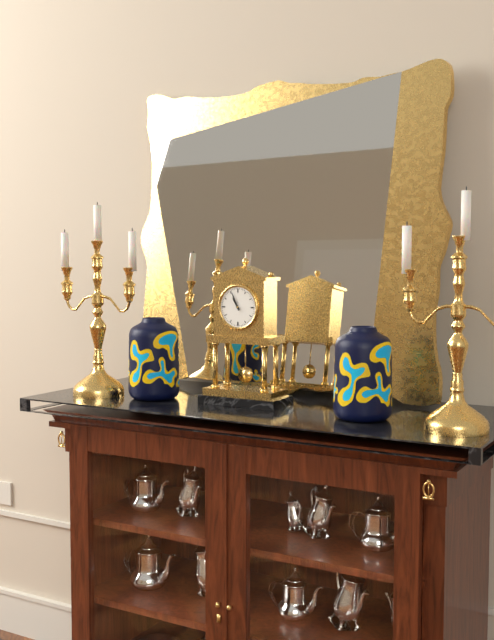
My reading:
10h56
